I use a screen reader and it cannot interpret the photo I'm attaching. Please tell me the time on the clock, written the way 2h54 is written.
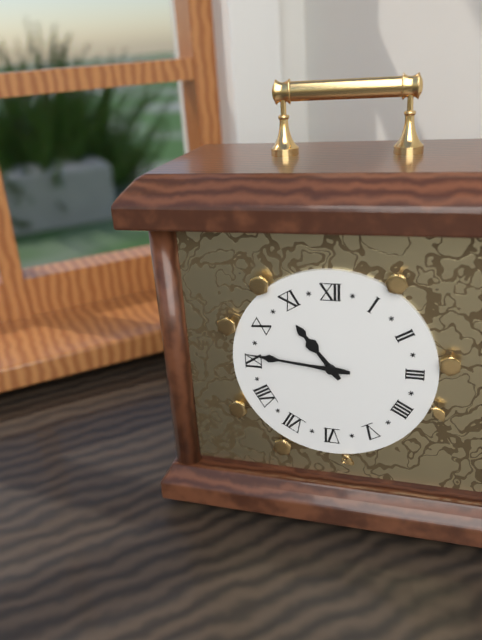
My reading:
10h46
